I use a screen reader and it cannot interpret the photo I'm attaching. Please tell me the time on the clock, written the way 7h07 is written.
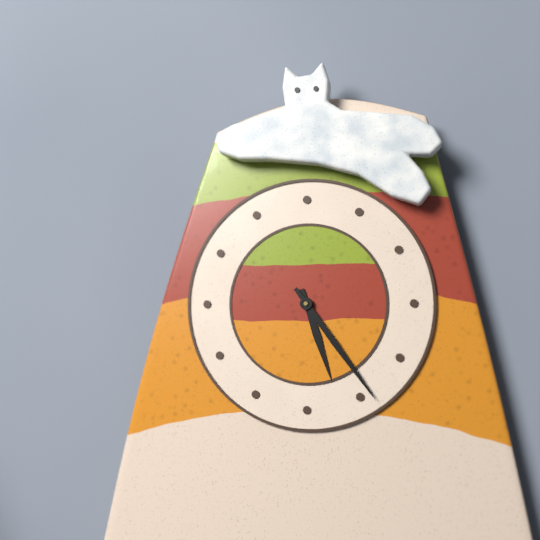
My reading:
5h24
